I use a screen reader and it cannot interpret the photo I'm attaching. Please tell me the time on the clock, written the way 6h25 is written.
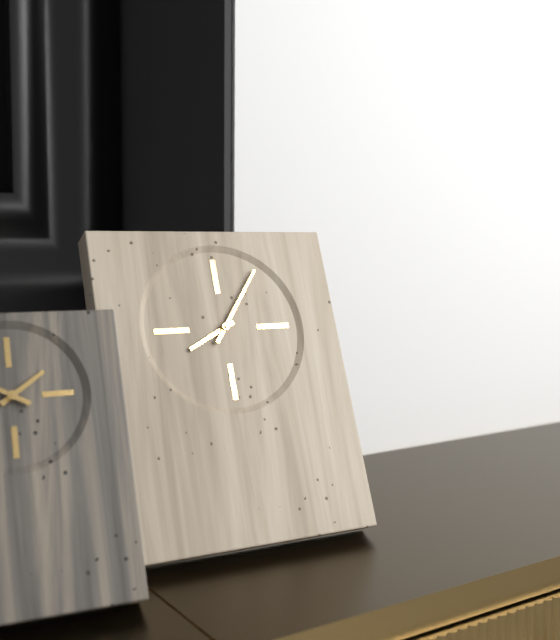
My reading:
8h06
